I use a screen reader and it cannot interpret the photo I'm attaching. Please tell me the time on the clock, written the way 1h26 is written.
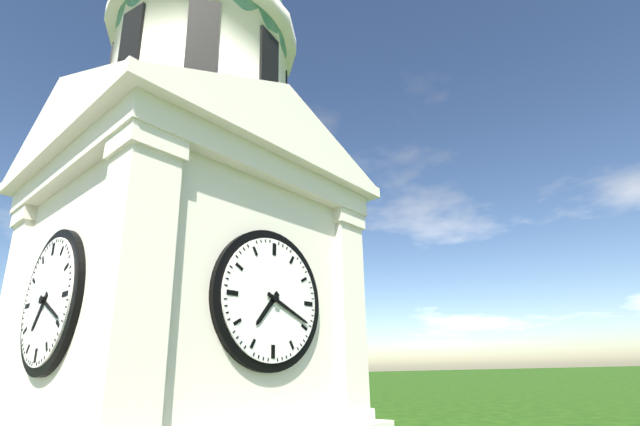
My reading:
7h19
